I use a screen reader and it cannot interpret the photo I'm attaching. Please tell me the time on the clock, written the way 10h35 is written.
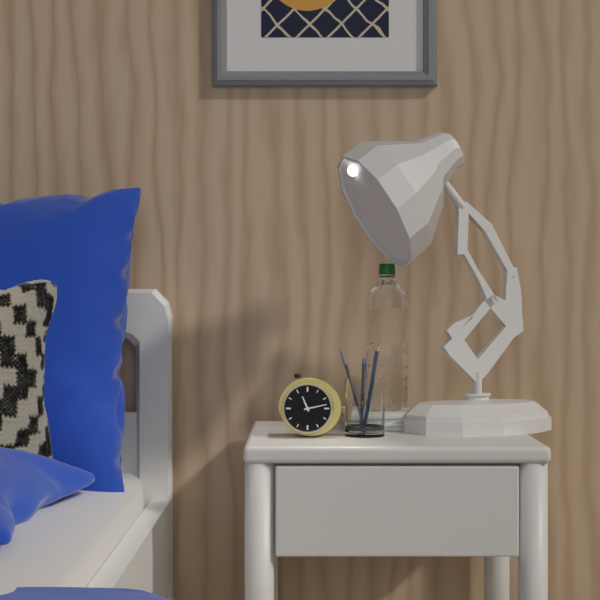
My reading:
11h13
